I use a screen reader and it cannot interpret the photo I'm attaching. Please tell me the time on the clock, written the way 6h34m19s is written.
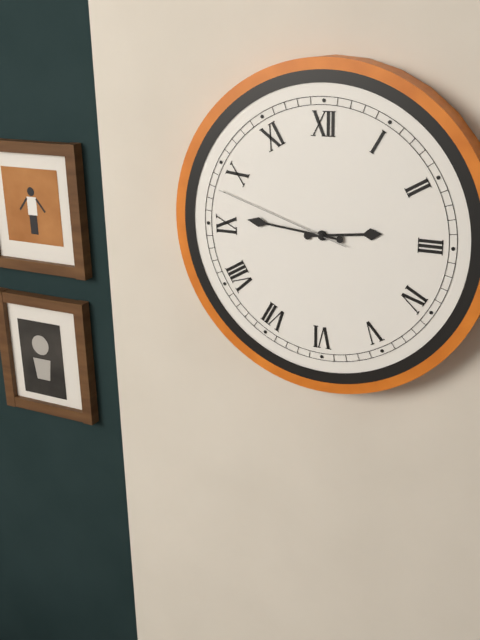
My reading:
2h46m48s
